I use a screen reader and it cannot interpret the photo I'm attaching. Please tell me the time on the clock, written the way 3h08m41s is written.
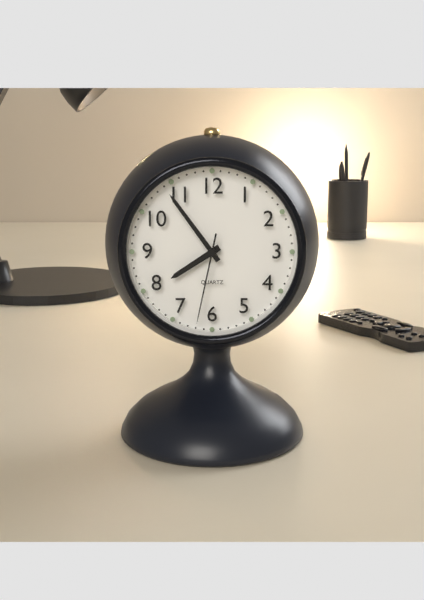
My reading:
7h54m32s
